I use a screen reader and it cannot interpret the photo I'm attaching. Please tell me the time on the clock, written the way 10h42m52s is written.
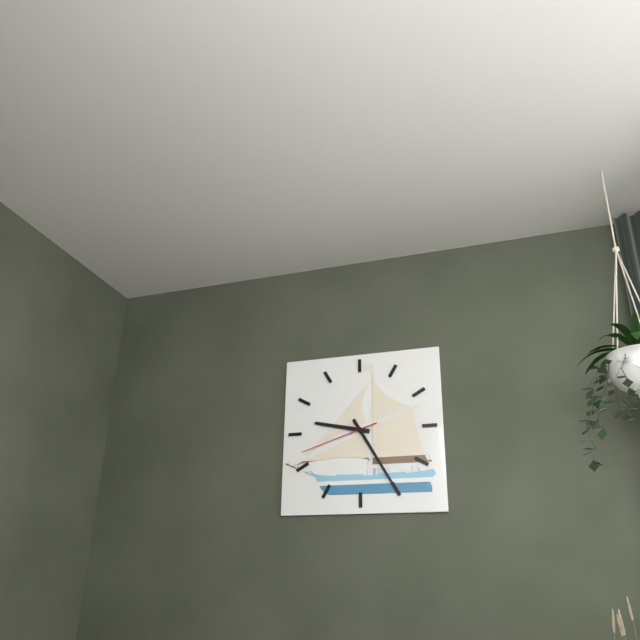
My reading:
9h25m42s
